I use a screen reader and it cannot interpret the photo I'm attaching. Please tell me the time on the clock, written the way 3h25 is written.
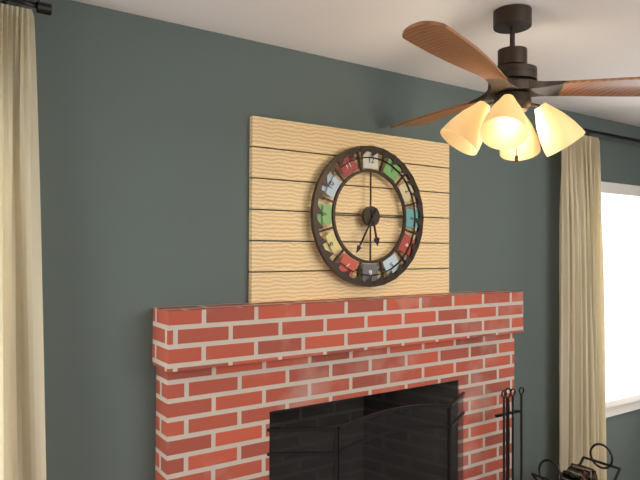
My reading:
5h35
